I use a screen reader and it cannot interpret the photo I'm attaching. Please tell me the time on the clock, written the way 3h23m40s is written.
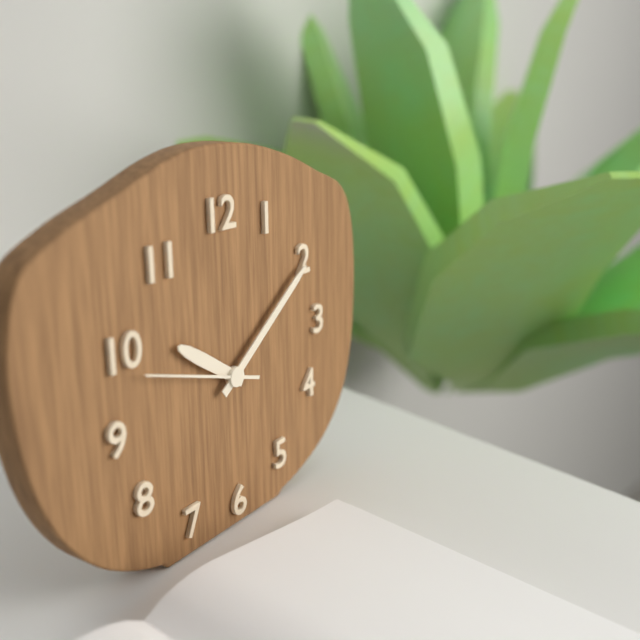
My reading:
10h09m48s
